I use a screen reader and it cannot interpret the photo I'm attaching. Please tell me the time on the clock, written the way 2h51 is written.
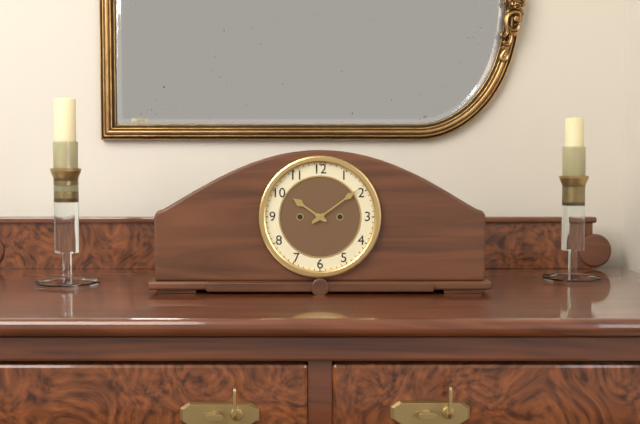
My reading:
10h09
